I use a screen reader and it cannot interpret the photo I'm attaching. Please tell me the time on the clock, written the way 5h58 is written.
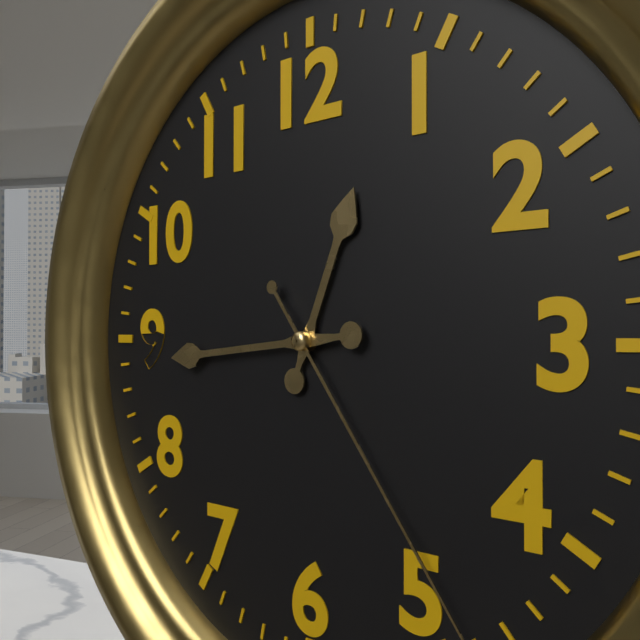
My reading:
12h44
